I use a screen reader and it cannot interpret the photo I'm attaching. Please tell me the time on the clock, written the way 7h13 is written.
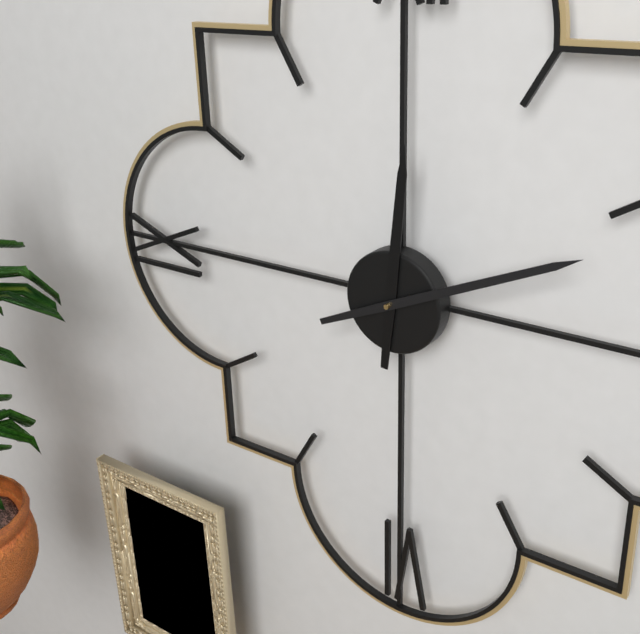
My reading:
12h11
